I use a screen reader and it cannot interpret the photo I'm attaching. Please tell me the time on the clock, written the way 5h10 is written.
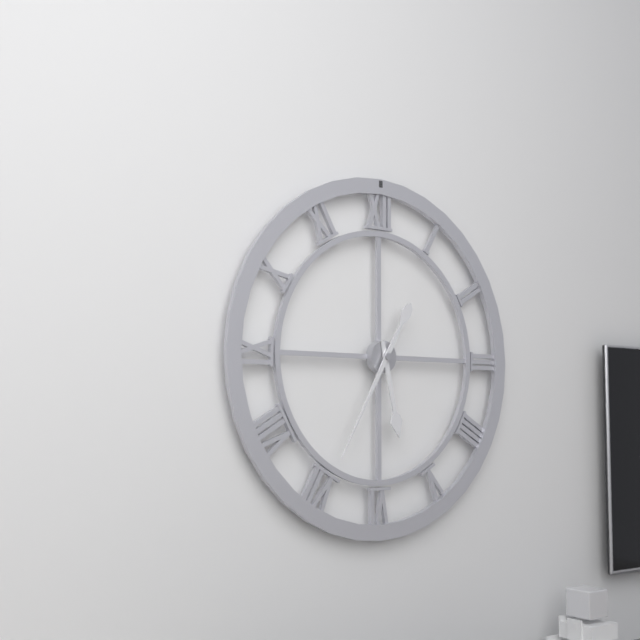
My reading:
5h35
